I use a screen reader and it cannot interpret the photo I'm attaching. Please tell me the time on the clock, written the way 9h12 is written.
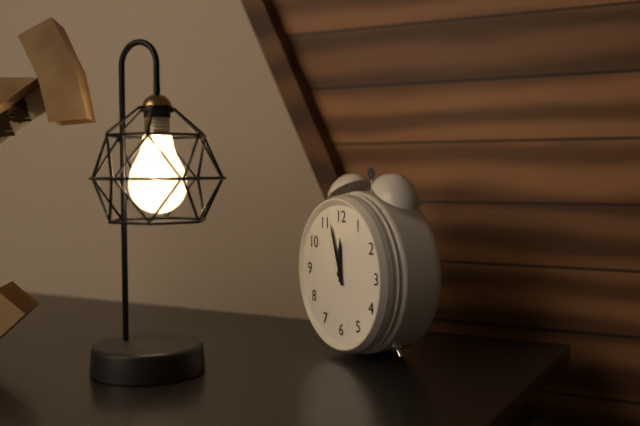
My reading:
11h57
